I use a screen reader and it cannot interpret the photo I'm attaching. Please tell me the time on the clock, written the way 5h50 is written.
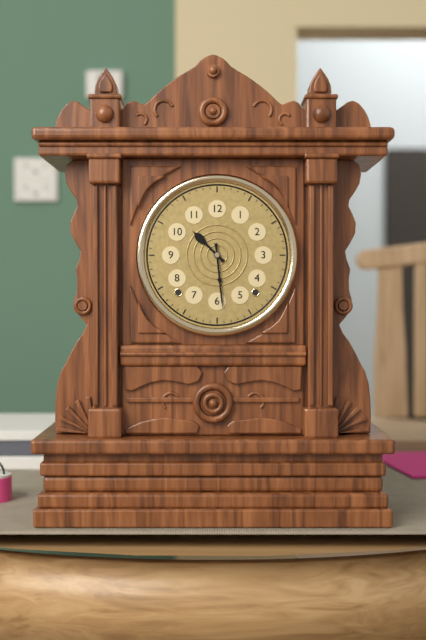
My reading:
10h29
